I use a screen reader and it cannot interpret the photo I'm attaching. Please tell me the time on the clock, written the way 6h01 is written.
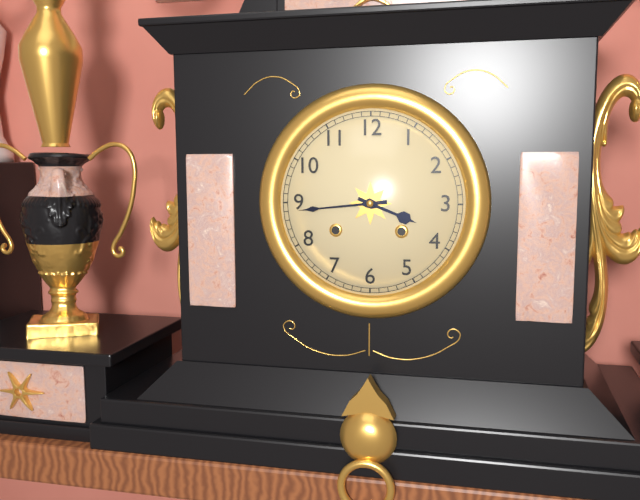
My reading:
3h44
